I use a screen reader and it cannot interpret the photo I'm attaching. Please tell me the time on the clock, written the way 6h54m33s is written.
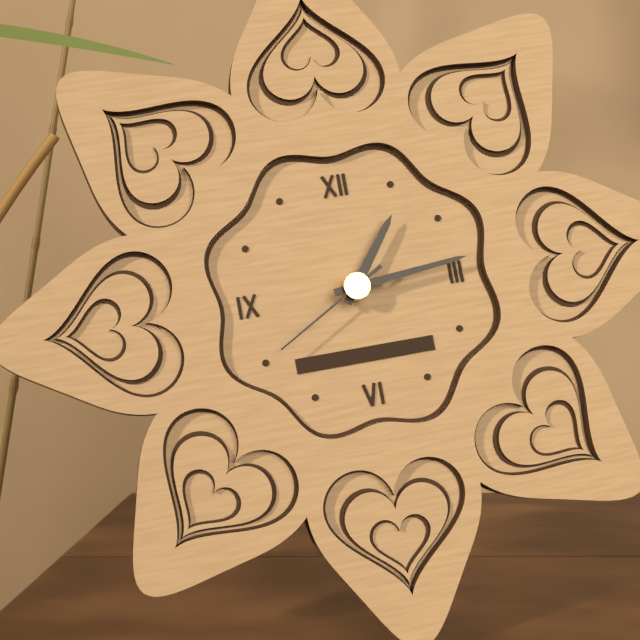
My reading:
1h14m40s
